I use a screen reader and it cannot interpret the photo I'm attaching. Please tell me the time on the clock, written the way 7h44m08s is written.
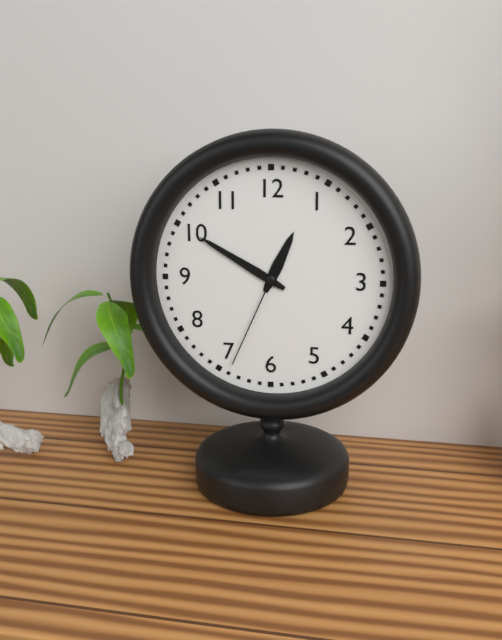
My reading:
12h50m34s
